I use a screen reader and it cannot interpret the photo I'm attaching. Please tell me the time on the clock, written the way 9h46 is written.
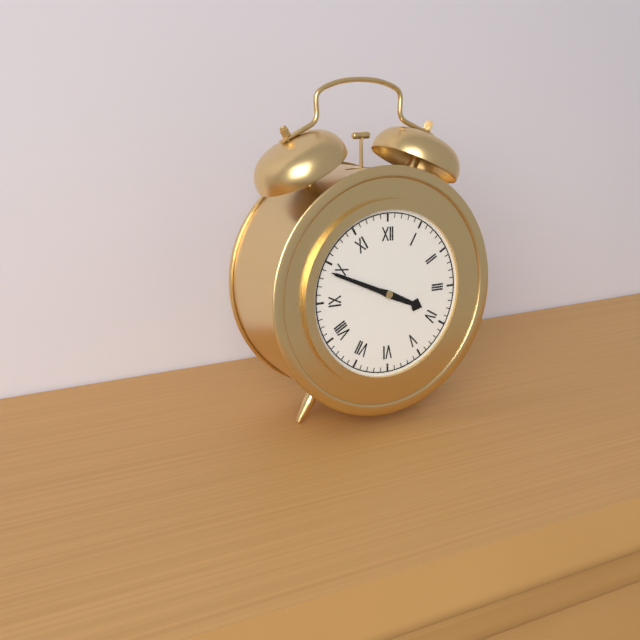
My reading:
3h49
